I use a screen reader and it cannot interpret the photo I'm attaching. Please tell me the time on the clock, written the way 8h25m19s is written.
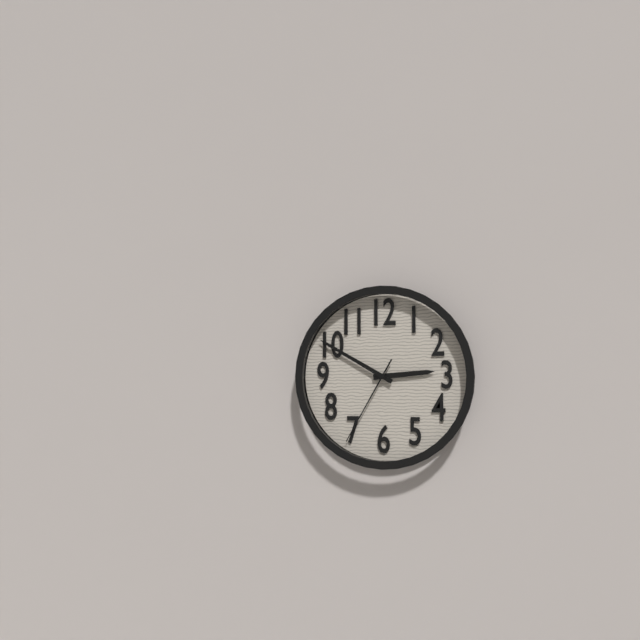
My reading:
2h50m35s
